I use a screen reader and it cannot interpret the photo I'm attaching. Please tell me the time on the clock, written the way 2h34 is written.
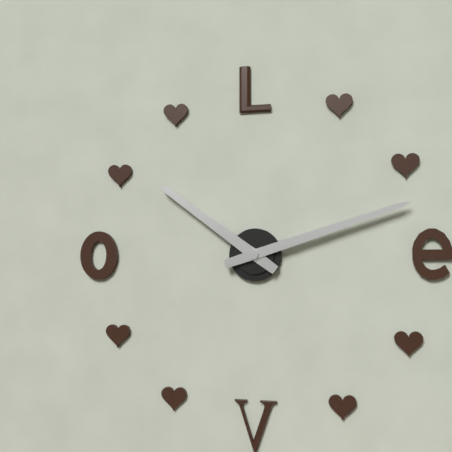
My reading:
10h12
